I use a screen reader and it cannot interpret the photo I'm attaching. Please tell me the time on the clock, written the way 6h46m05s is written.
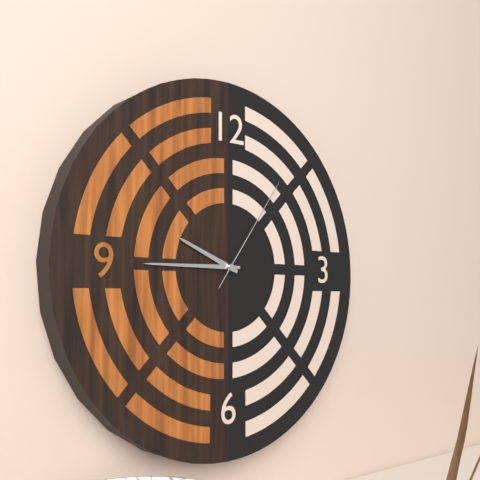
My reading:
9h45m06s
